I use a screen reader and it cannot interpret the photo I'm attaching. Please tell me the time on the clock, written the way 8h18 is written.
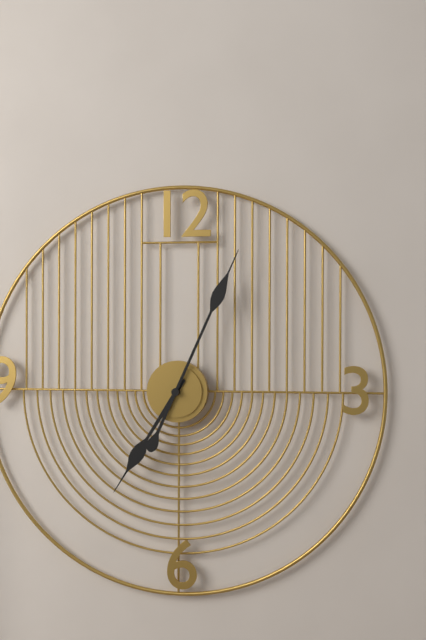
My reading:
7h04
